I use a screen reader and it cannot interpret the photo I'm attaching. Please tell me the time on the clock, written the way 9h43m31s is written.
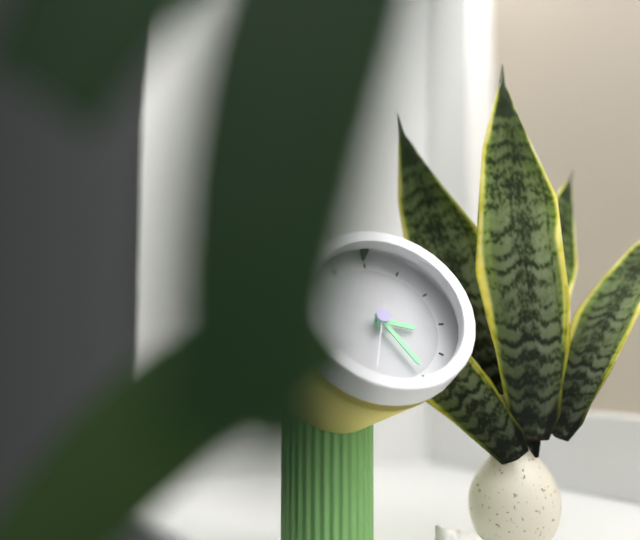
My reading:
3h25m33s
